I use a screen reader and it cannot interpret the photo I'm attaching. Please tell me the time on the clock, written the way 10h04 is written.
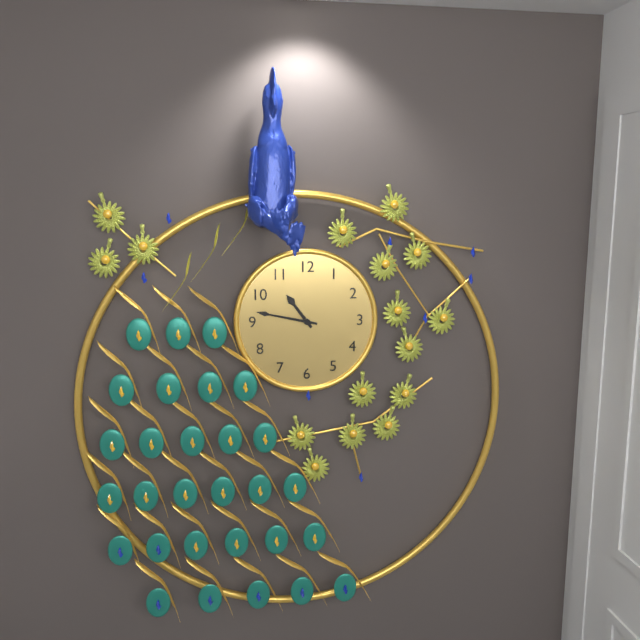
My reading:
10h47
